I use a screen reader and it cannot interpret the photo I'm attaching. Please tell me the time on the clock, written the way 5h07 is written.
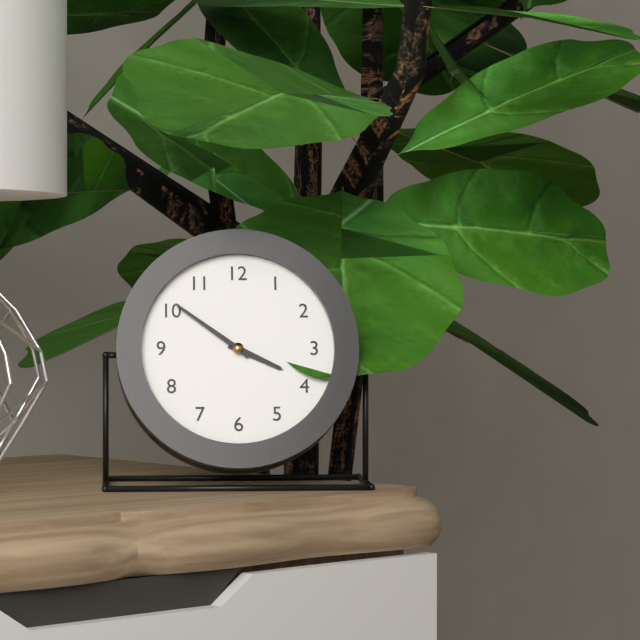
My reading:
3h51
